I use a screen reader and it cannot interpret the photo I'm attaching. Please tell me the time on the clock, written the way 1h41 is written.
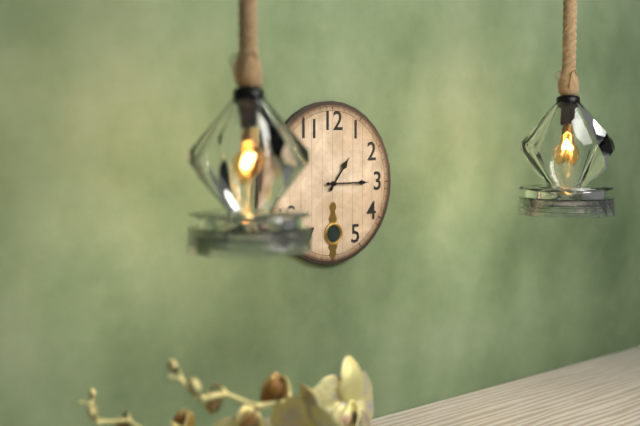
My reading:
1h15
